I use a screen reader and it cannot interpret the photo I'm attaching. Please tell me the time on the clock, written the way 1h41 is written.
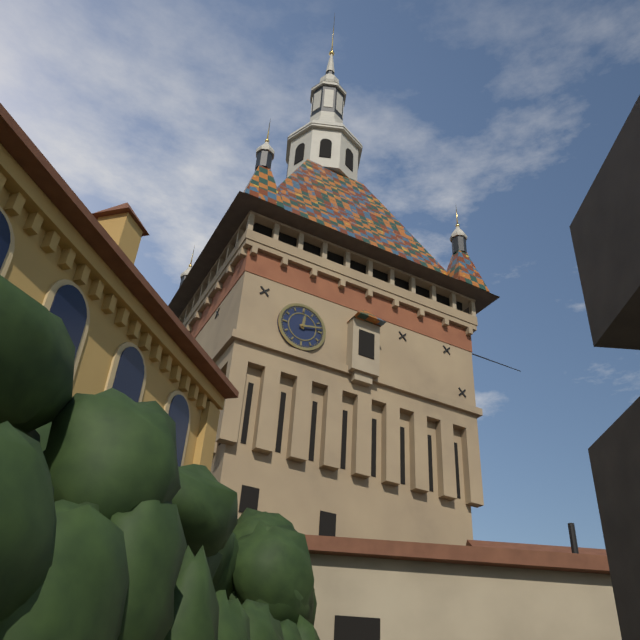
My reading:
12h13
